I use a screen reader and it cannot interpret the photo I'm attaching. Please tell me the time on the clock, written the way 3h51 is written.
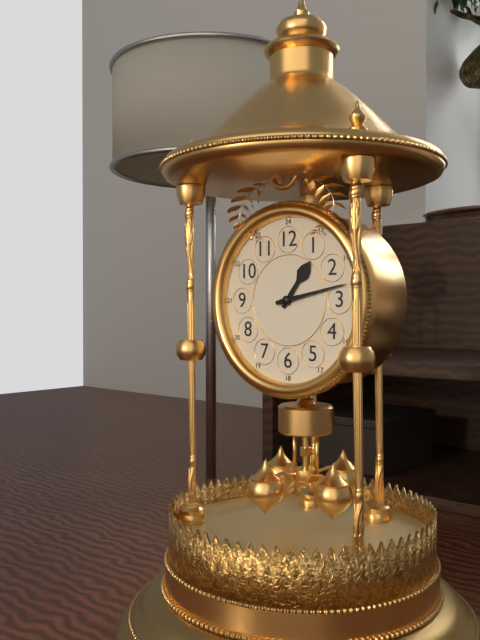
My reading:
1h13
